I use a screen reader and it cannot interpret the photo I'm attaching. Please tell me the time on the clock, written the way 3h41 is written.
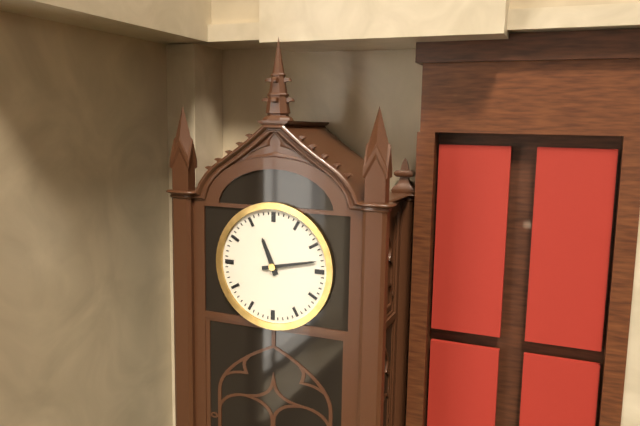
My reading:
11h13
